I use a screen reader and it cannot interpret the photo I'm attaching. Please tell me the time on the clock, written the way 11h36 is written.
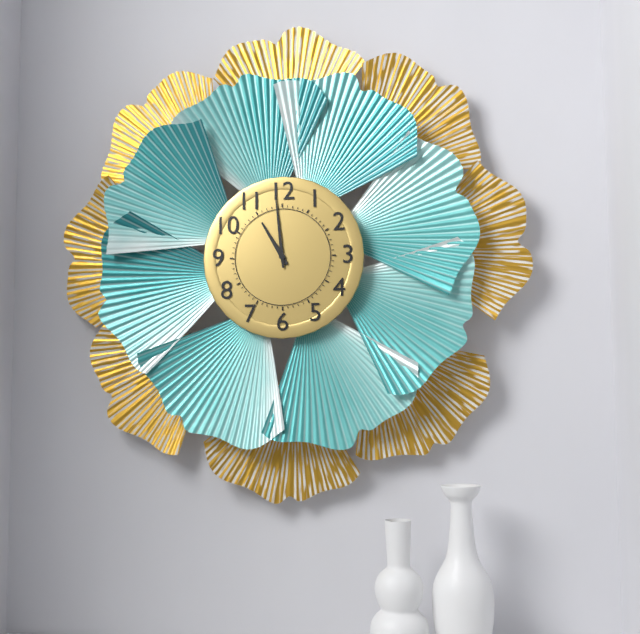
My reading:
10h59
